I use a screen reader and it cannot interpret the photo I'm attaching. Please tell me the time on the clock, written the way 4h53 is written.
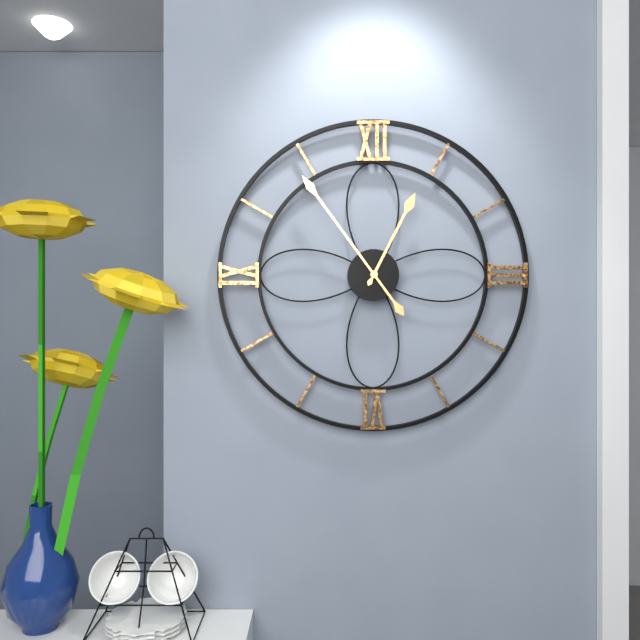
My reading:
12h54
